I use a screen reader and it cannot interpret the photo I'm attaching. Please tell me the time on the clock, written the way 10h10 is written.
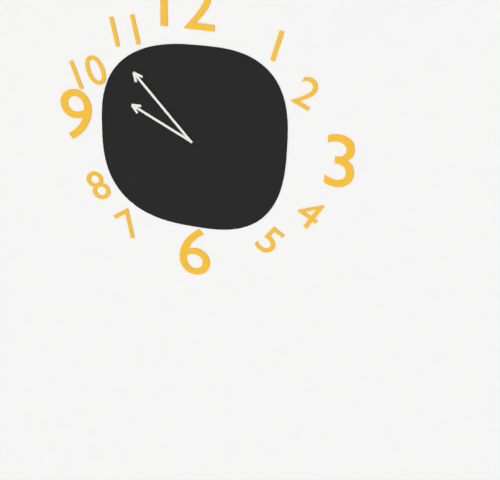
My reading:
9h53
